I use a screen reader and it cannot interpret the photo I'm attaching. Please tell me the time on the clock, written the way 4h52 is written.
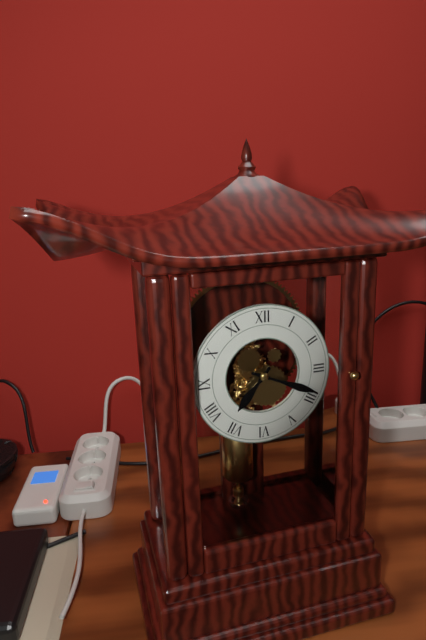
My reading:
7h19
